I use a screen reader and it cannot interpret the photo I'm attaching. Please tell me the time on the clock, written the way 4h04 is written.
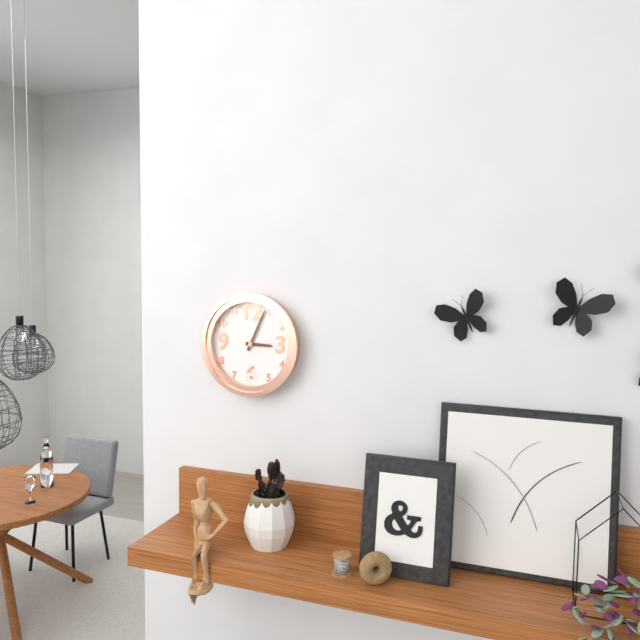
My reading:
3h04
